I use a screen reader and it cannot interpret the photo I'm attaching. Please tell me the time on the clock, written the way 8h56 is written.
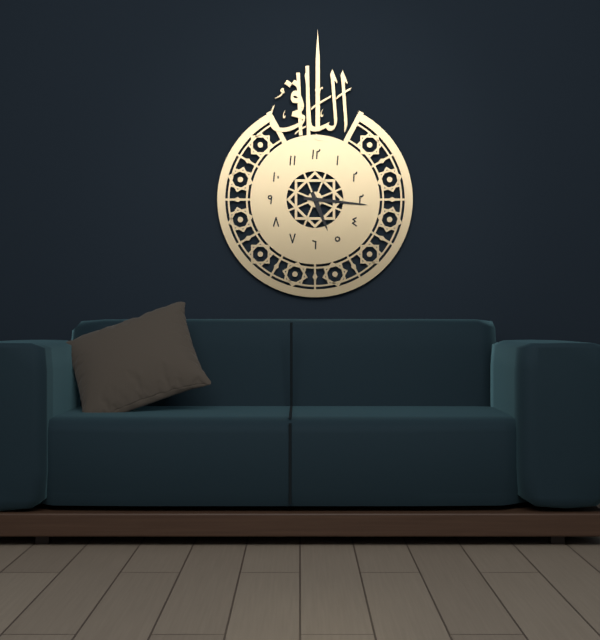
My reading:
5h16
